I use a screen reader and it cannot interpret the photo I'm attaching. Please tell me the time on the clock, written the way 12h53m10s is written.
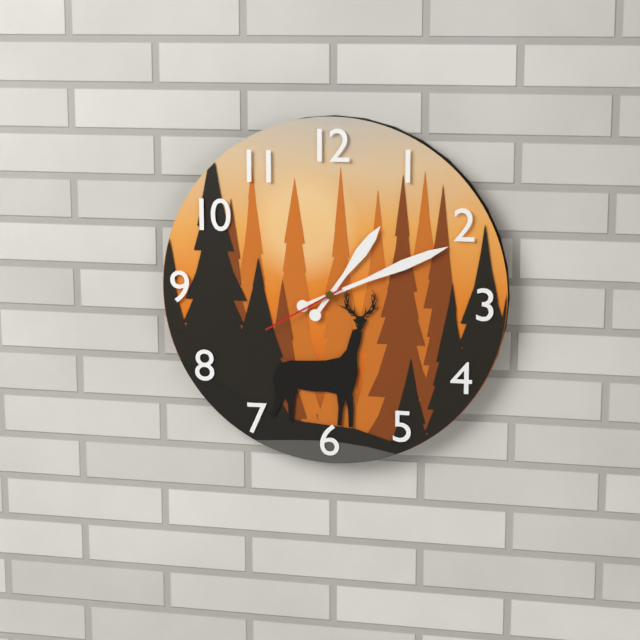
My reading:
1h11m40s
